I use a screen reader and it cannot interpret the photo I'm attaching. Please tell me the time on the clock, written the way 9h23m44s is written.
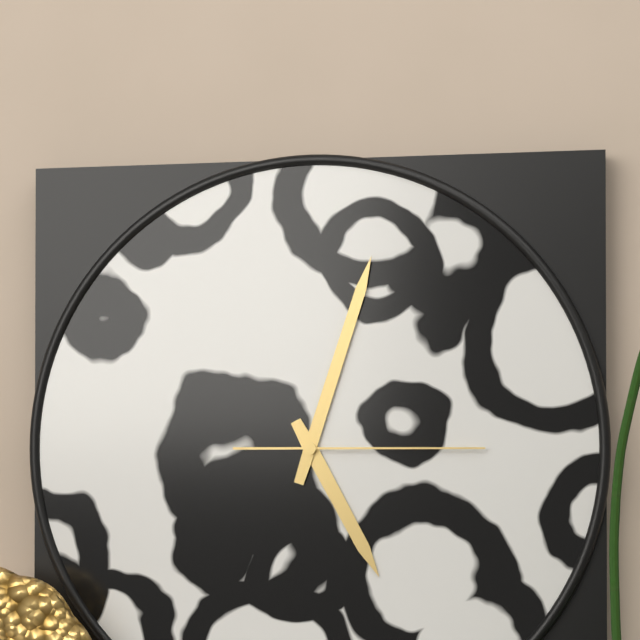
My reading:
5h03m15s
